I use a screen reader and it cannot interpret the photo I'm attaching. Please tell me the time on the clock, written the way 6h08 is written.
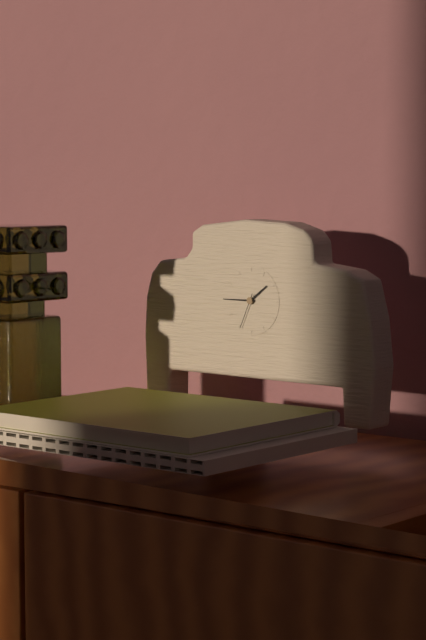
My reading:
1h45
